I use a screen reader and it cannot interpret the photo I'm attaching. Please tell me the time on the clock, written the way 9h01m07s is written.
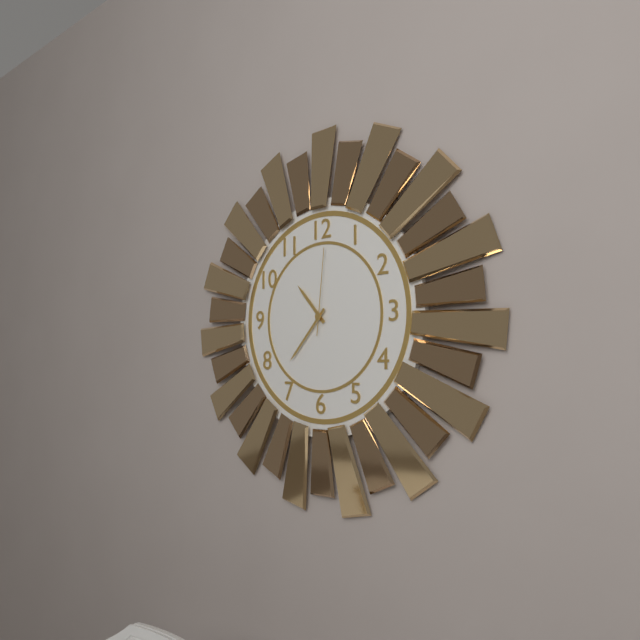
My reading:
10h37m01s
